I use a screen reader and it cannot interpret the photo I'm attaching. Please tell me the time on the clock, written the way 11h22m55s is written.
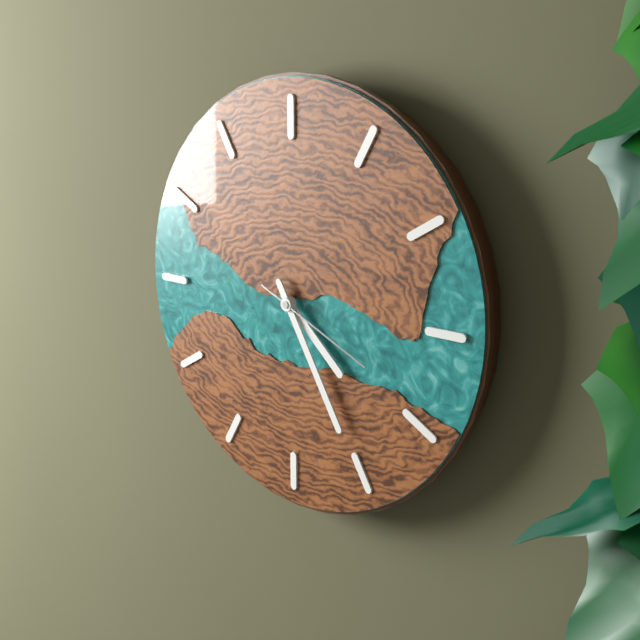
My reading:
4h25m19s
